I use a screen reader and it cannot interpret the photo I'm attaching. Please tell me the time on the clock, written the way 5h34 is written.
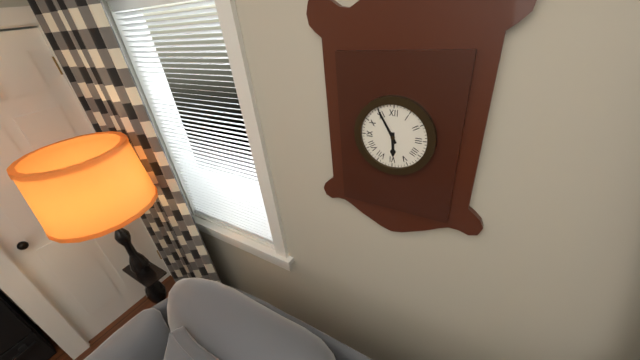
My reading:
5h55
